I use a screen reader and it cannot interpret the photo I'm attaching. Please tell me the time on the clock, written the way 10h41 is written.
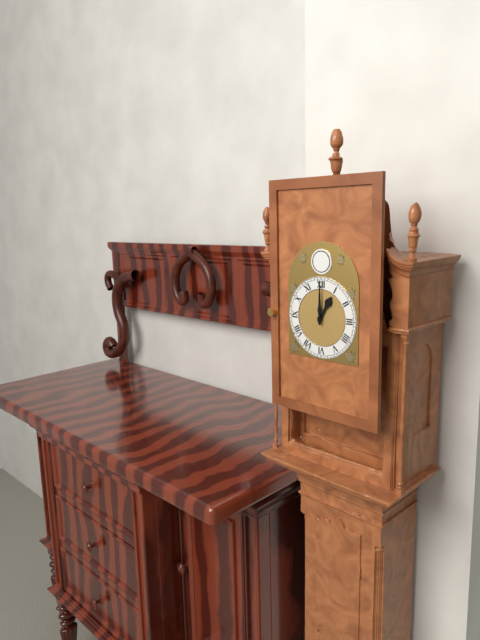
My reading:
1h00
